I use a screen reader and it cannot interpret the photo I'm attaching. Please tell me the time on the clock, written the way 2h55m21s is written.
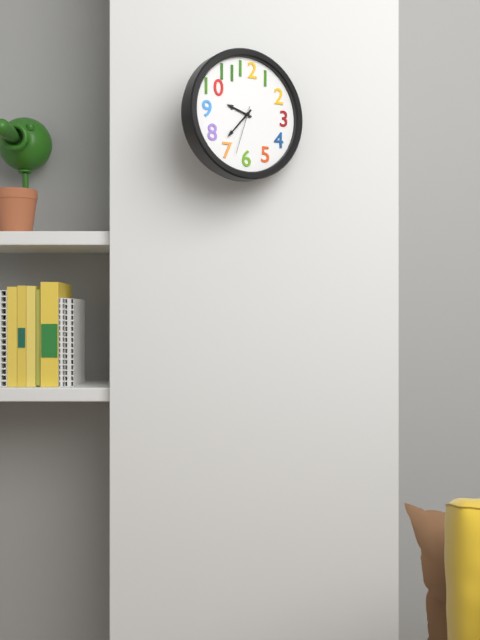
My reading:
9h37m33s
